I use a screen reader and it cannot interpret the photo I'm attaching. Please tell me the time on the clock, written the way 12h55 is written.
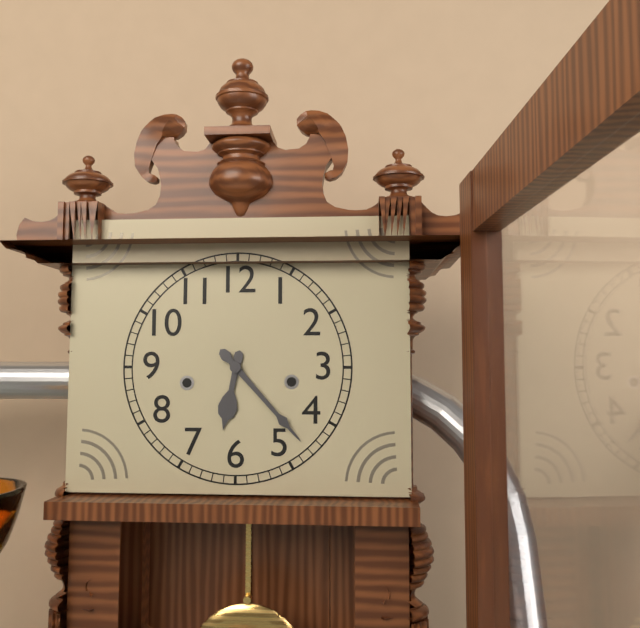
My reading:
6h23
